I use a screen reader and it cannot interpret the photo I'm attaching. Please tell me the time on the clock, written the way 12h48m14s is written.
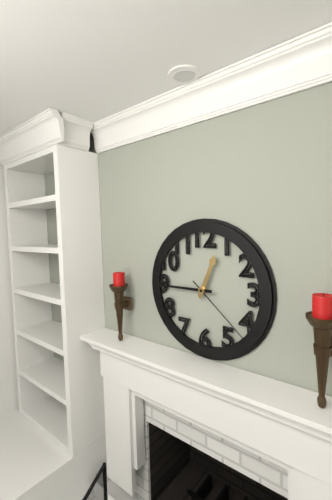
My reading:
12h45m22s
